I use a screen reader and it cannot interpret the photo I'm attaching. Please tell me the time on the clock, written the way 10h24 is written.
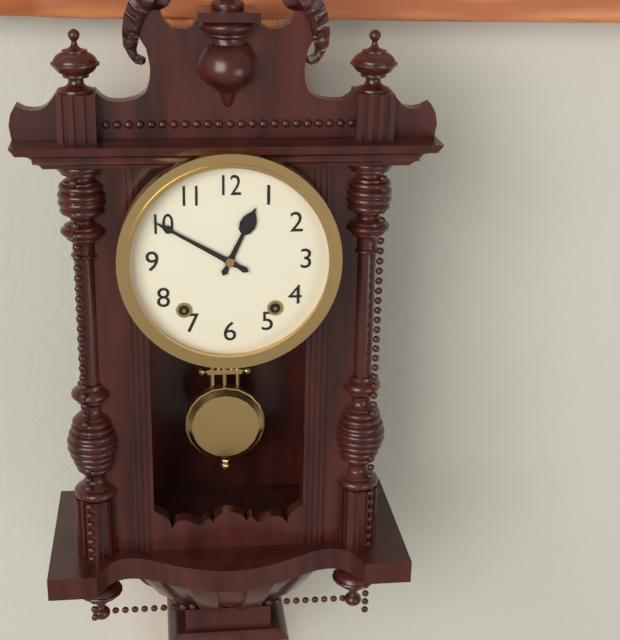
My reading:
12h50
